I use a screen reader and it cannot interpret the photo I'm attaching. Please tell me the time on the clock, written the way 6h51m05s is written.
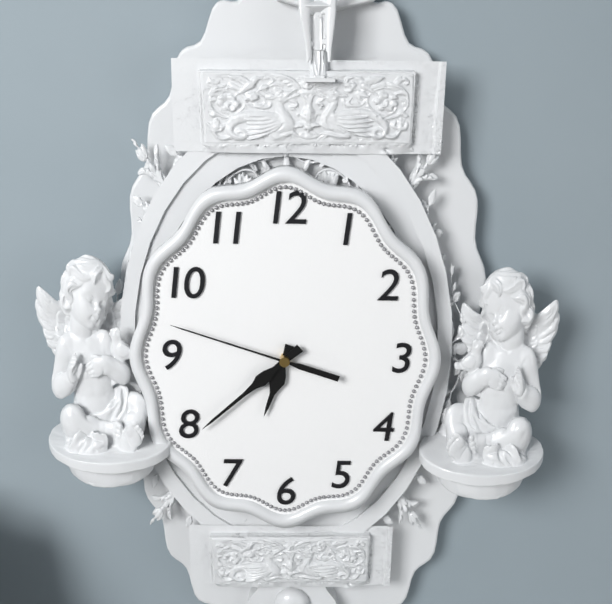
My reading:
6h38m48s
